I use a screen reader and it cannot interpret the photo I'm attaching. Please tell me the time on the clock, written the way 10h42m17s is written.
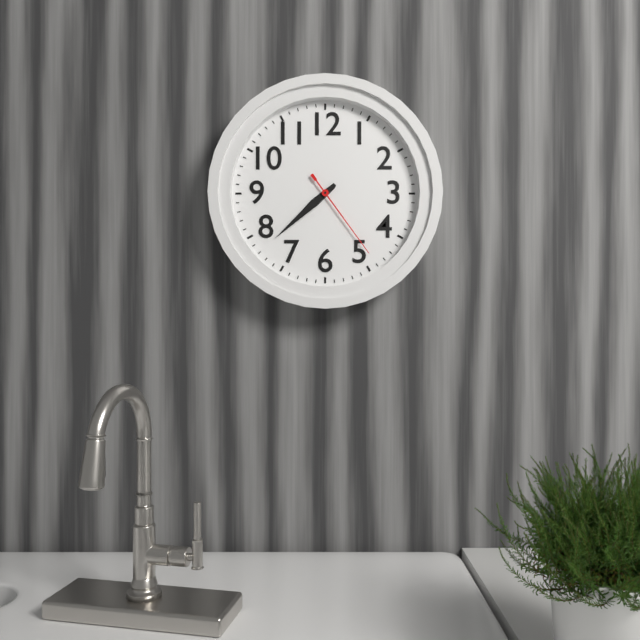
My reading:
7h38m24s
